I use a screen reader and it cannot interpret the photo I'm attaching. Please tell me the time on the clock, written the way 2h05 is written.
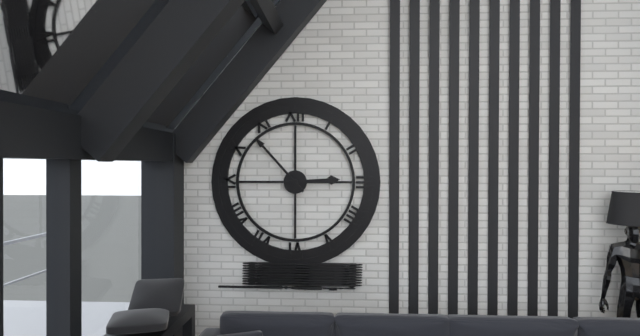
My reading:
2h53
